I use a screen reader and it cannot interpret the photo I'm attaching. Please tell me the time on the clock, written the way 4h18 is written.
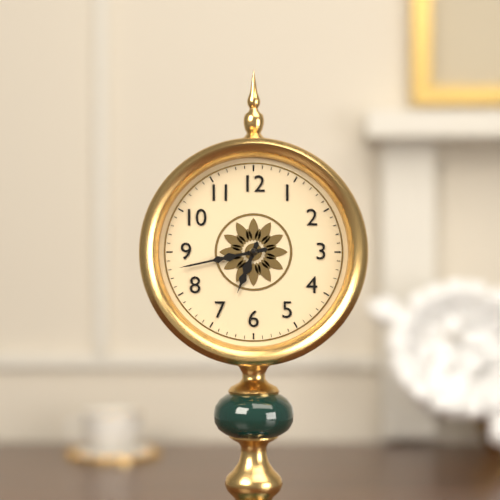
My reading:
6h43
